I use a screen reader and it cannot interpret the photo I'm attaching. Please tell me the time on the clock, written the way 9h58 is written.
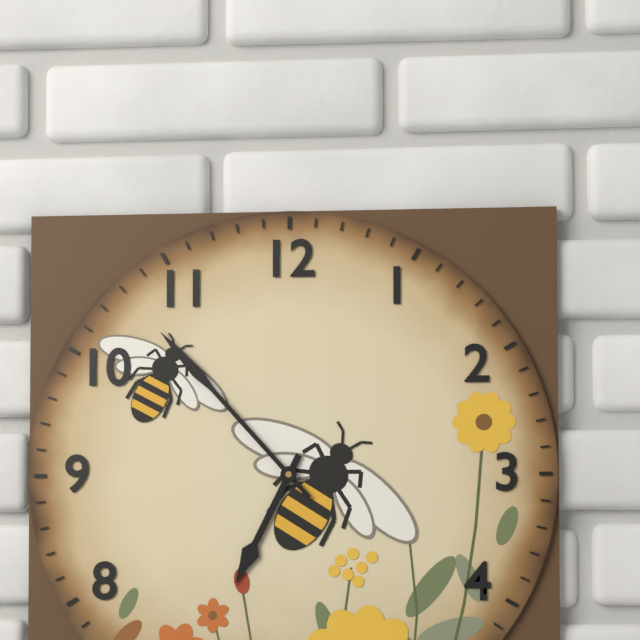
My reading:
6h53
